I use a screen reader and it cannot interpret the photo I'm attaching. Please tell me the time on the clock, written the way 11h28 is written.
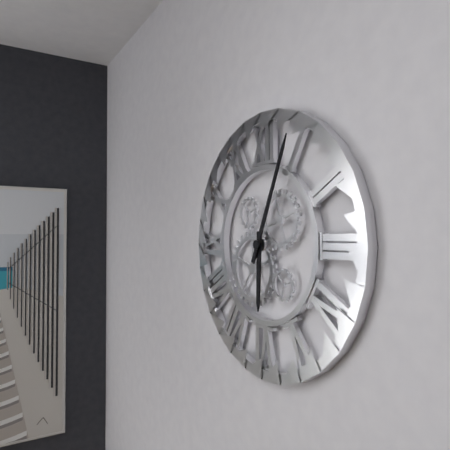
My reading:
6h04
